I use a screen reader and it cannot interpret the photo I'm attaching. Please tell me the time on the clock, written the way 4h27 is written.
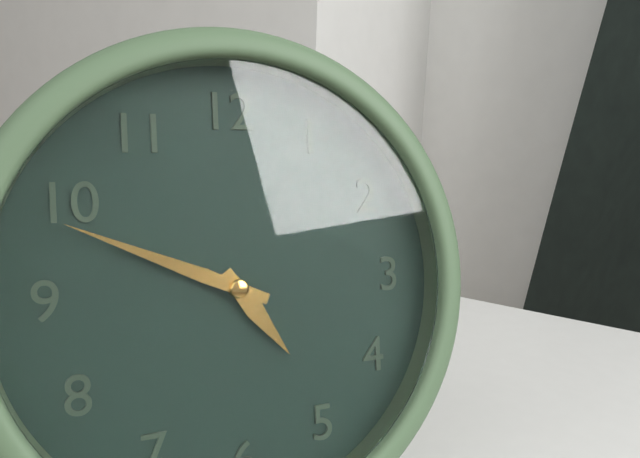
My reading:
4h49
